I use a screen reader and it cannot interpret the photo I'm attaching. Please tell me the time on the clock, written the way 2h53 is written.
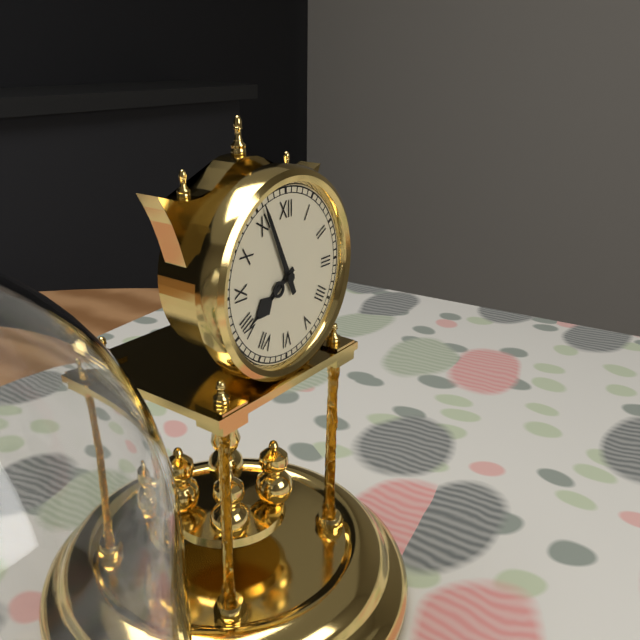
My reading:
7h56
